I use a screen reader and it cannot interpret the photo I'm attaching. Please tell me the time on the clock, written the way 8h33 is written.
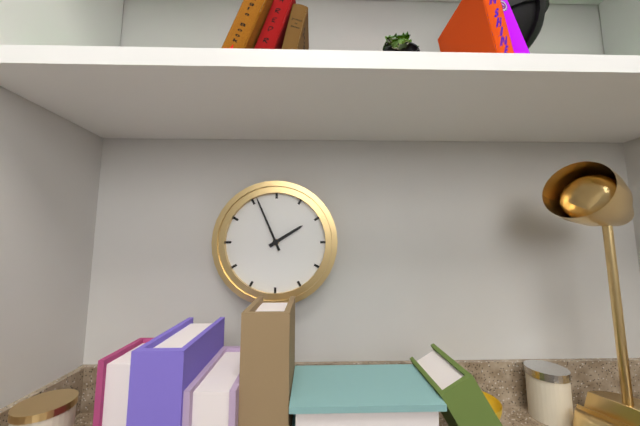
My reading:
1h56
